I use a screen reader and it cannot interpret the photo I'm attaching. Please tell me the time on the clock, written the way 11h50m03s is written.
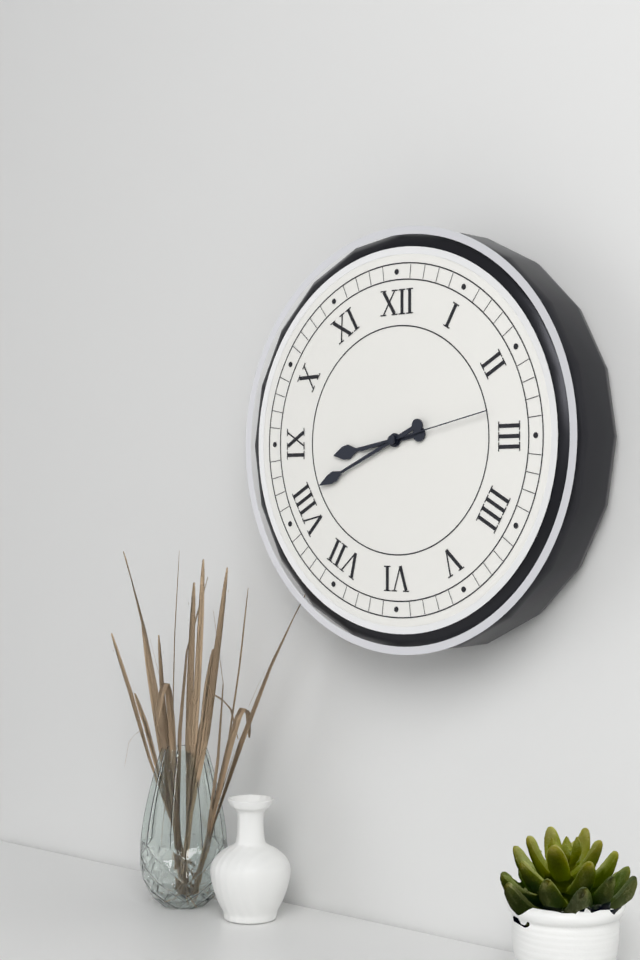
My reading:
8h41m13s
